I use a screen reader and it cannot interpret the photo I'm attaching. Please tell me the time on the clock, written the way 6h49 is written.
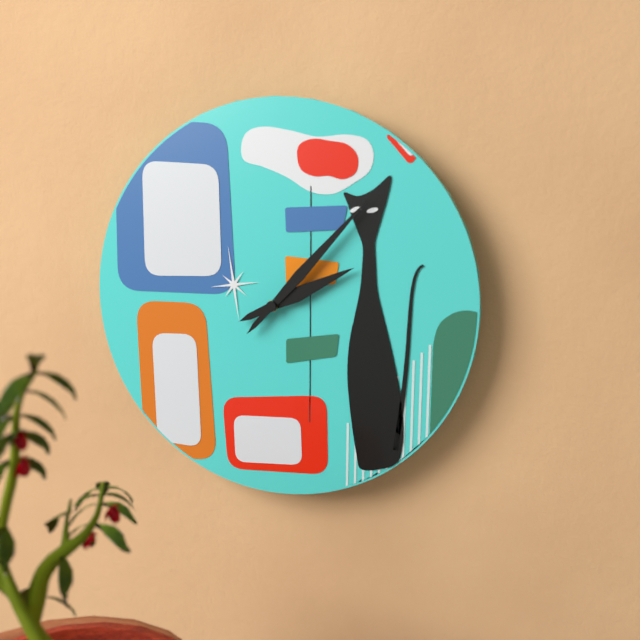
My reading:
2h07
